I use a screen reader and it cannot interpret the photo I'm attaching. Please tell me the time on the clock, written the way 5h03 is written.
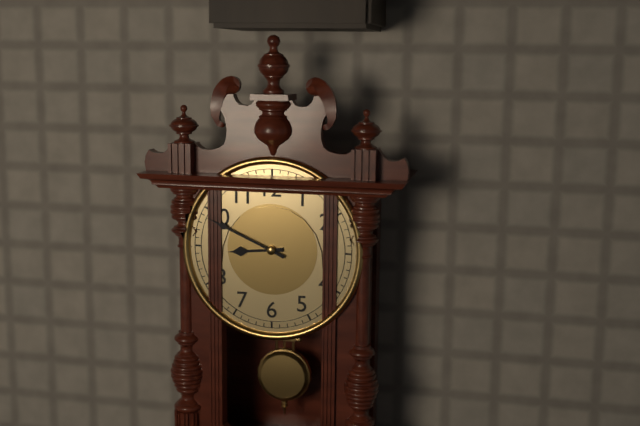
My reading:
8h49
